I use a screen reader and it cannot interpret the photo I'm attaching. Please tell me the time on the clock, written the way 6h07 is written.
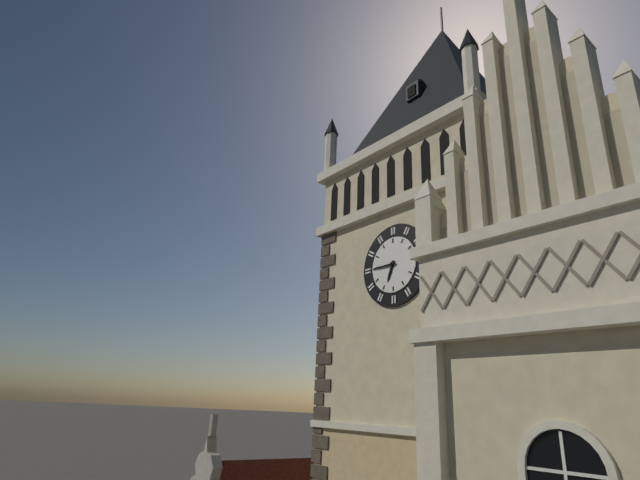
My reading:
6h45
